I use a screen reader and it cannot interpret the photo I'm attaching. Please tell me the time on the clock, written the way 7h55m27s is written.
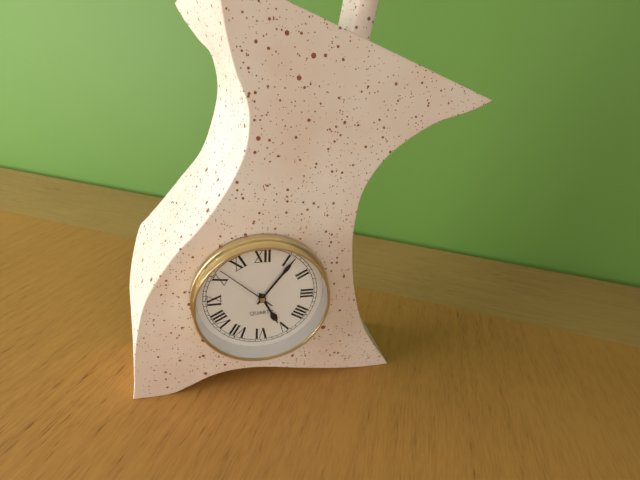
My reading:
5h06m52s
